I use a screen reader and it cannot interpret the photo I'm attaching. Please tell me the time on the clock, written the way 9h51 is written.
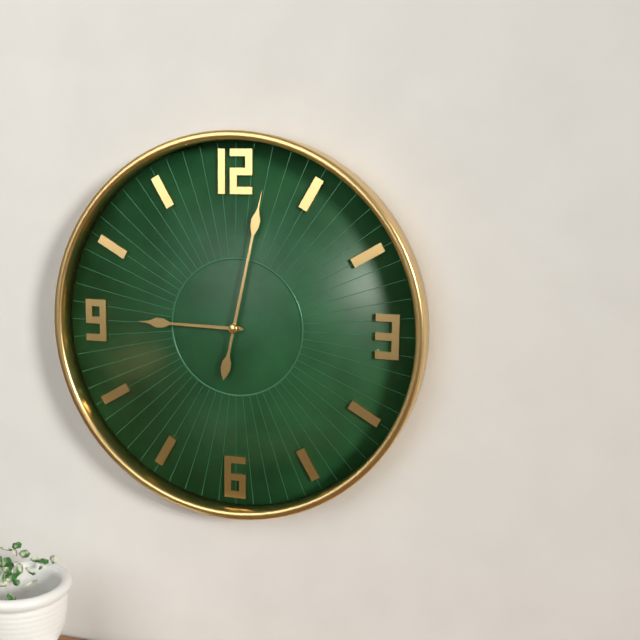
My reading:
9h02
